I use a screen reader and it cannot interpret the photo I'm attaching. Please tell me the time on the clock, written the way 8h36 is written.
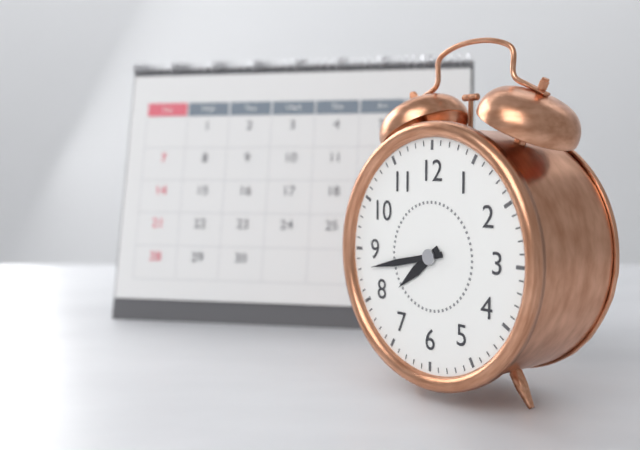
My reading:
7h43
